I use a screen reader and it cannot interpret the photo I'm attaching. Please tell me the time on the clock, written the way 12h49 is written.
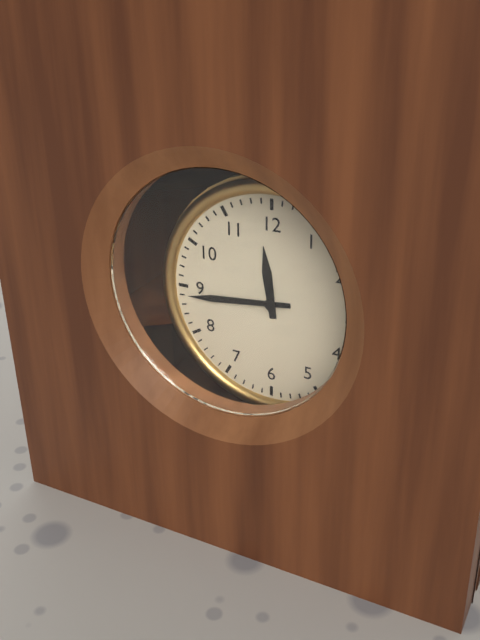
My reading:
11h44
